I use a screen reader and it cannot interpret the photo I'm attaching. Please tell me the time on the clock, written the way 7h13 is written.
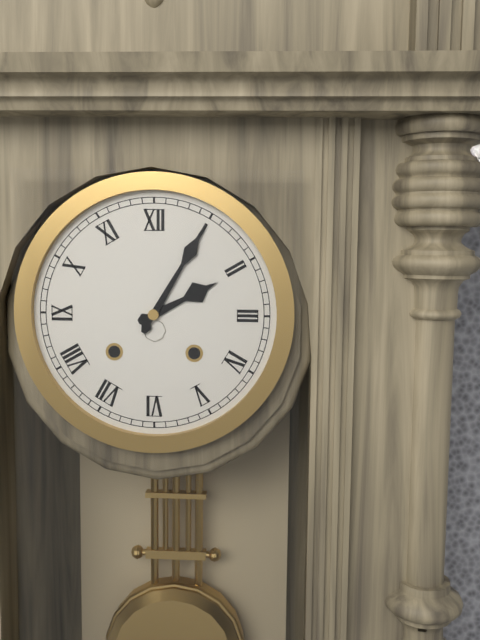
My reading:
2h05
